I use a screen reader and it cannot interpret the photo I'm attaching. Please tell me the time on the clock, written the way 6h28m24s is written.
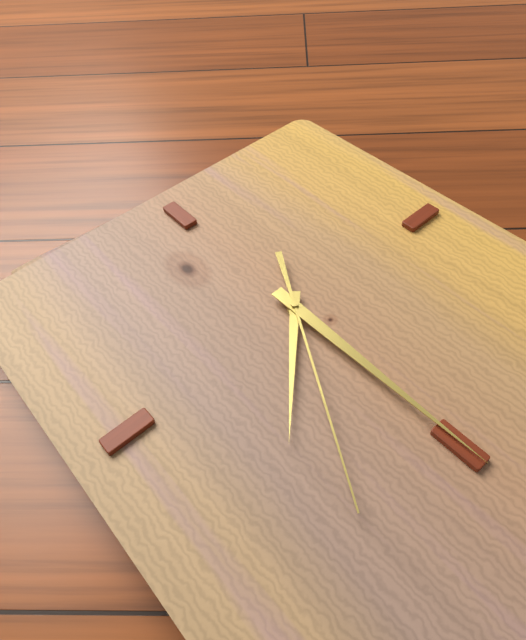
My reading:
7h30m35s
